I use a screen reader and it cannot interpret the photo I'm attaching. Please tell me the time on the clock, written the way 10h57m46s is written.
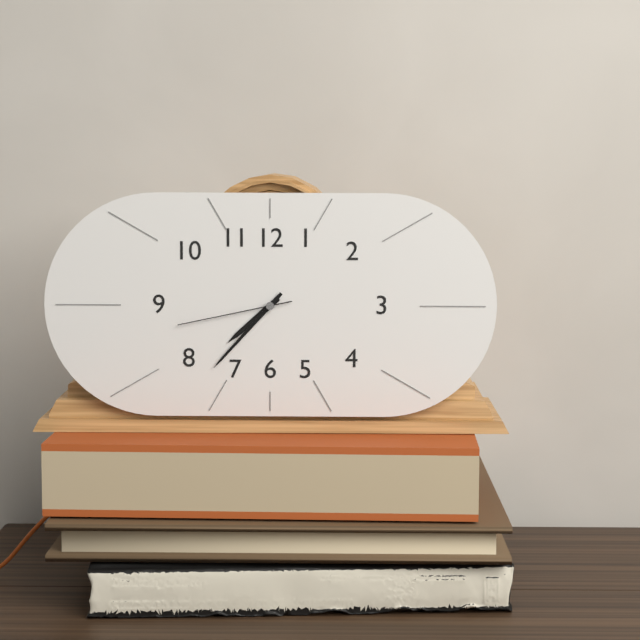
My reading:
7h37m43s
